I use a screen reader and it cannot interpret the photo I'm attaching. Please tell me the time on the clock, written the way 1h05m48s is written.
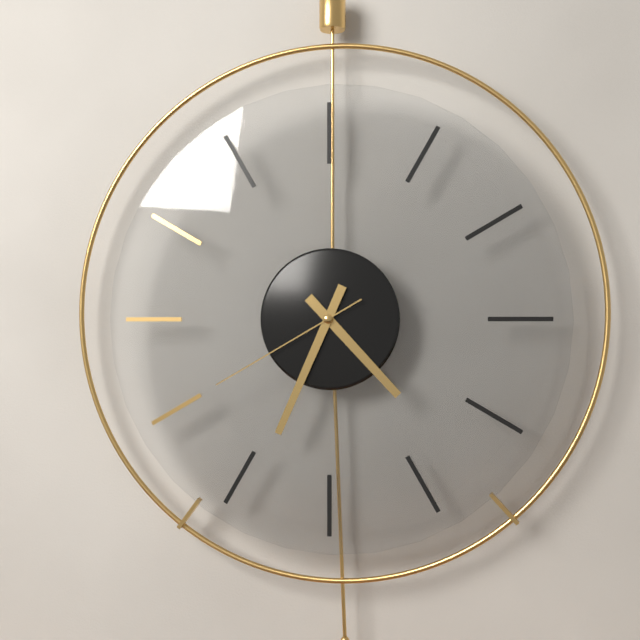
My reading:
4h34m40s
